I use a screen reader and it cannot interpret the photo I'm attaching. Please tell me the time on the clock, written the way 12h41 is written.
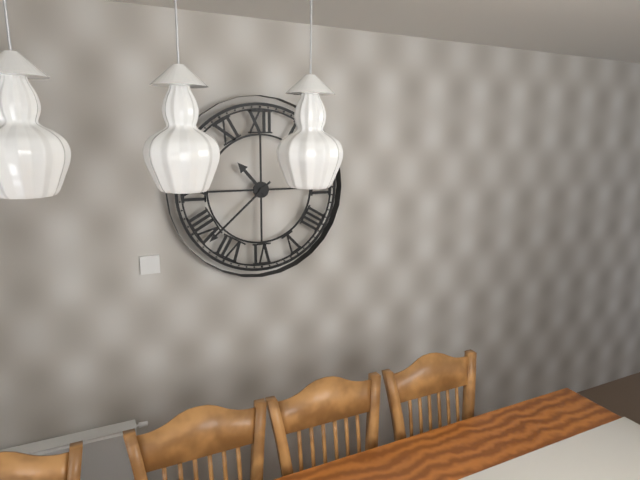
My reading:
10h38
